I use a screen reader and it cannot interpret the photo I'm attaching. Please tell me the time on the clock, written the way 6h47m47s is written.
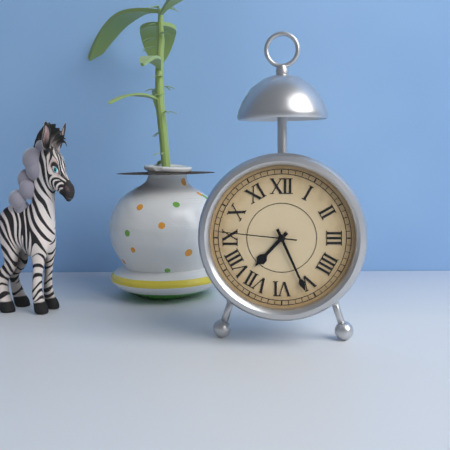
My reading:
7h26m46s
